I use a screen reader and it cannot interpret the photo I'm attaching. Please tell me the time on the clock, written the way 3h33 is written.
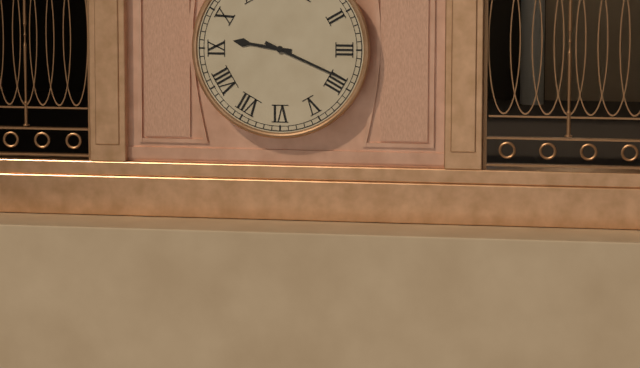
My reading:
9h19
